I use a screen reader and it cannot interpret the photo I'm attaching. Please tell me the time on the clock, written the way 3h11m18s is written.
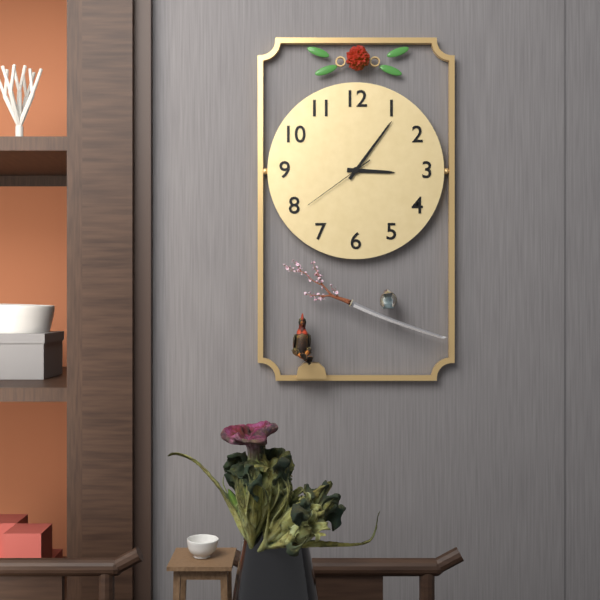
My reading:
3h06m39s
